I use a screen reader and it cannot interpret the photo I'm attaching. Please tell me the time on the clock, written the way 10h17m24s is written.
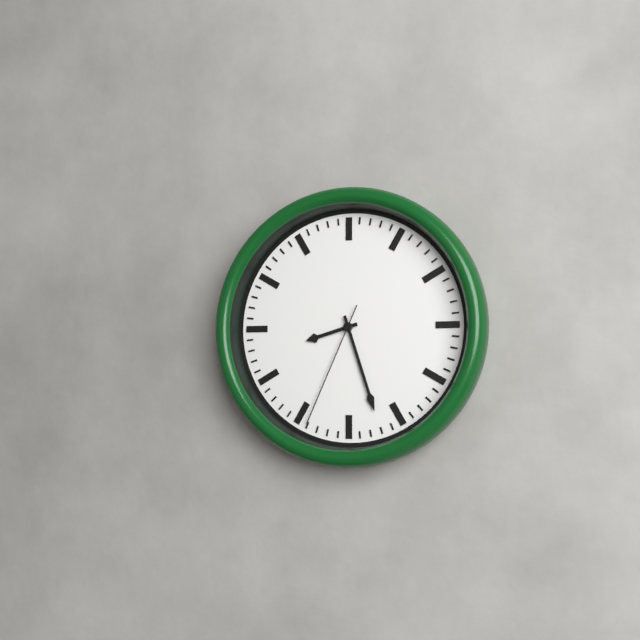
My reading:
8h27m34s
